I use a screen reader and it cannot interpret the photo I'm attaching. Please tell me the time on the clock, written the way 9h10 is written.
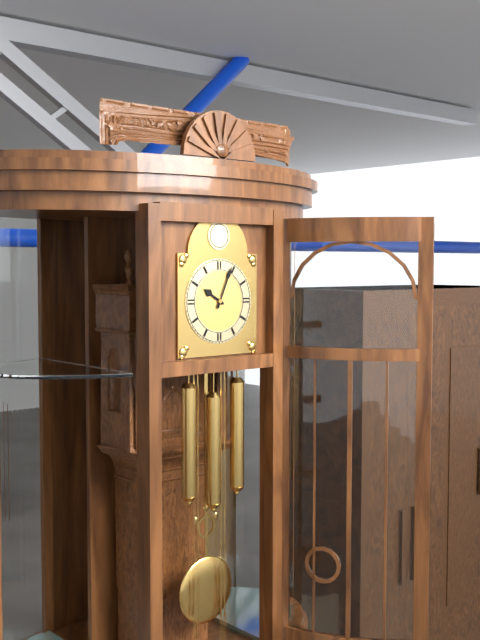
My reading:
10h04
